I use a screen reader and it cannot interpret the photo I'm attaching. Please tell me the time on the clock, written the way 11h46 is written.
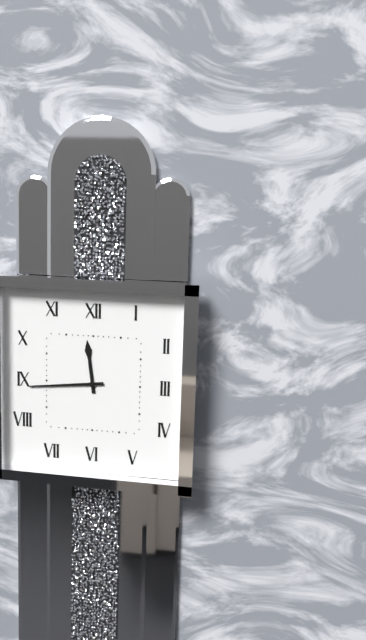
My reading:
11h44
